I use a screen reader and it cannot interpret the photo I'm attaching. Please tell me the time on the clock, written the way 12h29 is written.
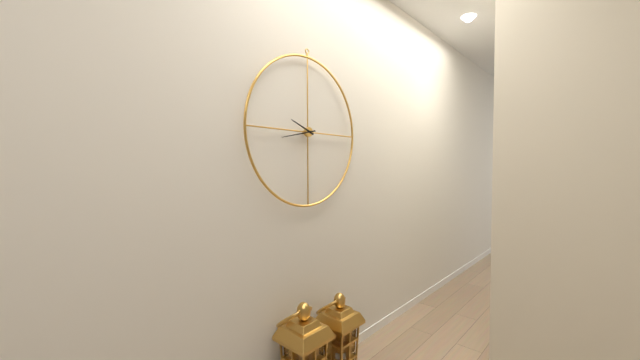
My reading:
9h43
